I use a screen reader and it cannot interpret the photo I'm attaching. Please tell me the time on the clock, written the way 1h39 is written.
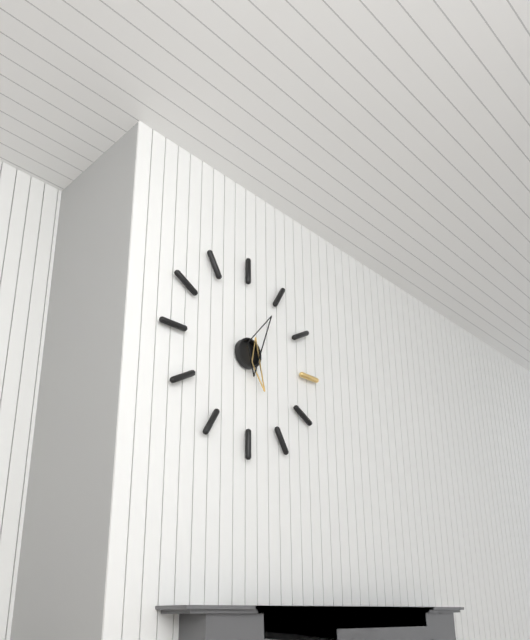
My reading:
5h05
